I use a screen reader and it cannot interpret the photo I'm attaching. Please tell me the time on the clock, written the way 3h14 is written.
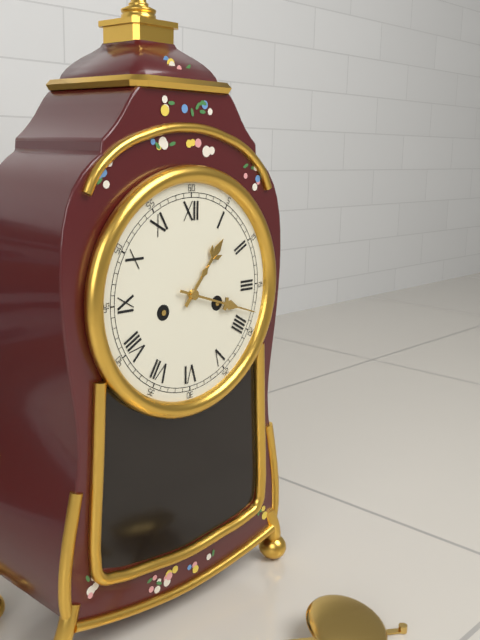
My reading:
1h18
